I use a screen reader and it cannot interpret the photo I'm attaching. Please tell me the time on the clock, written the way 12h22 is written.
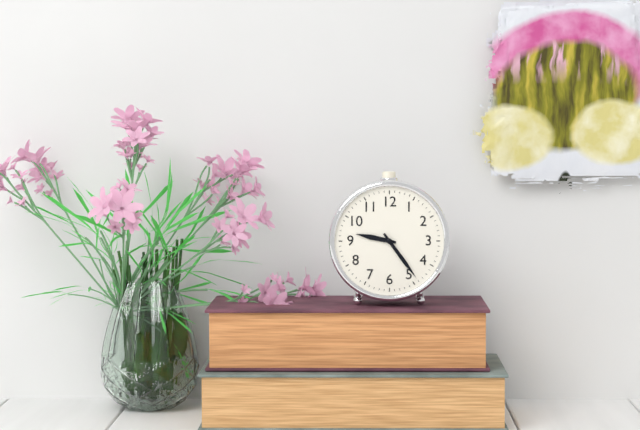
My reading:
9h24
